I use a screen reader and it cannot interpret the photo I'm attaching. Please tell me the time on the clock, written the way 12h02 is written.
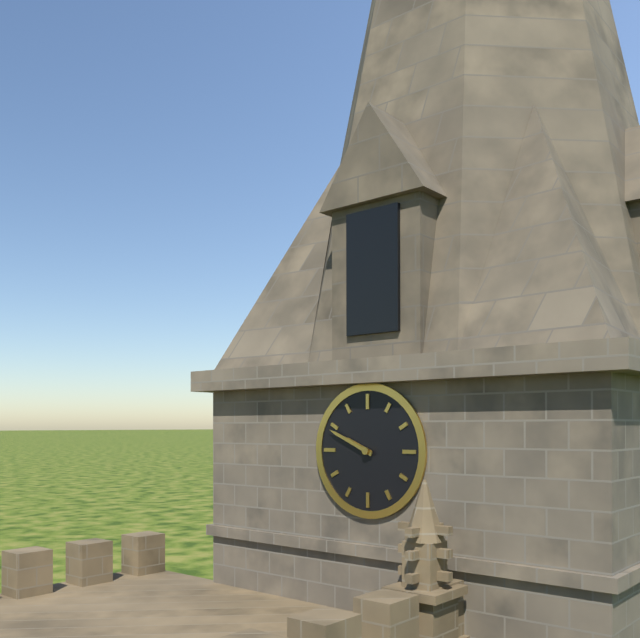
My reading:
9h49
